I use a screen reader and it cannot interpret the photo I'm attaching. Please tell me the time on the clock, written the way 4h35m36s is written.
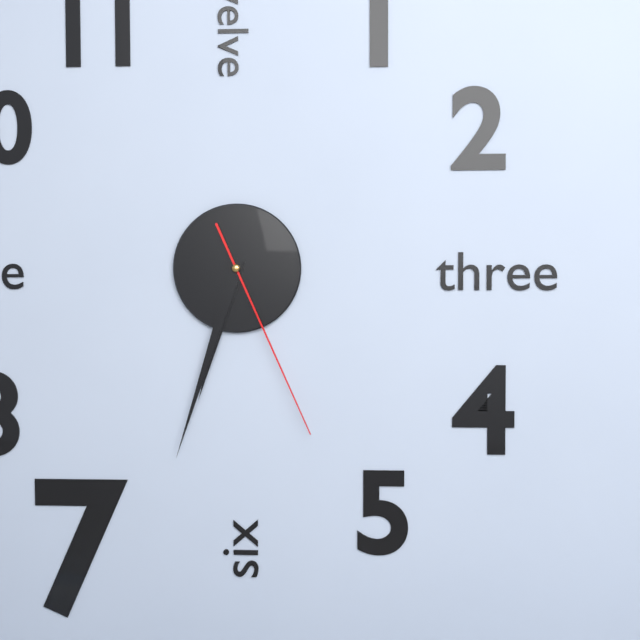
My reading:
6h33m26s
